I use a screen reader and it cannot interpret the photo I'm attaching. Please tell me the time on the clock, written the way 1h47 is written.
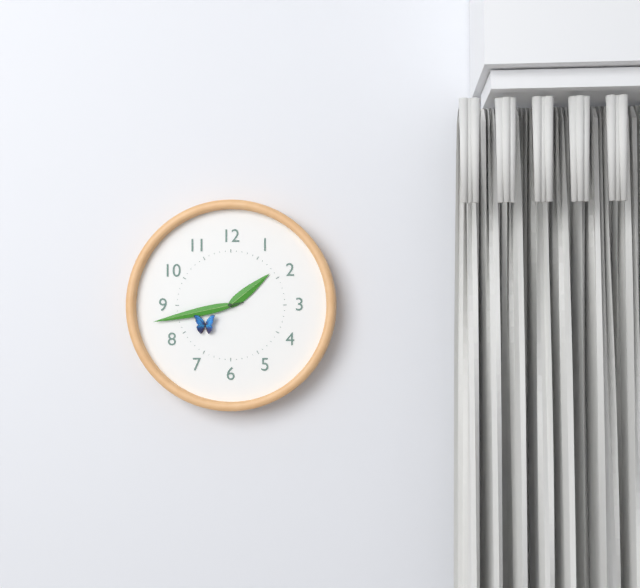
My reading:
1h43
